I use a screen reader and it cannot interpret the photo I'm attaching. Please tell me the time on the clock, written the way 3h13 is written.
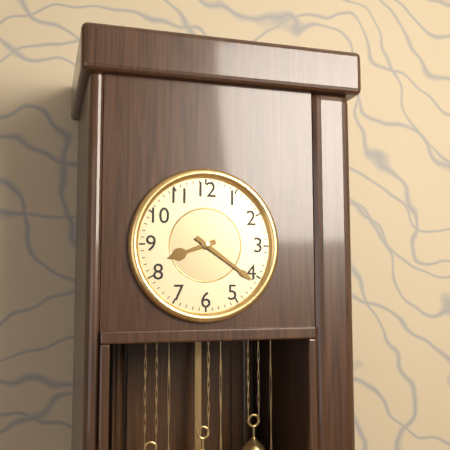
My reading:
8h21
